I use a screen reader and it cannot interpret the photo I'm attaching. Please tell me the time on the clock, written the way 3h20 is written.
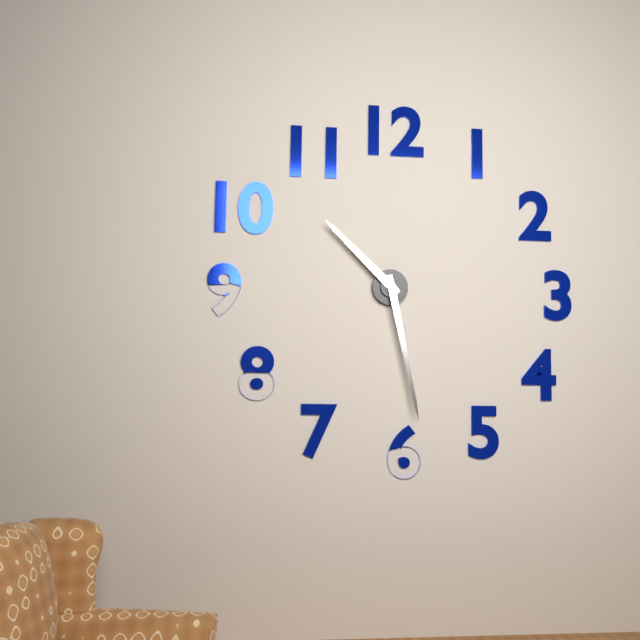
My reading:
10h28
